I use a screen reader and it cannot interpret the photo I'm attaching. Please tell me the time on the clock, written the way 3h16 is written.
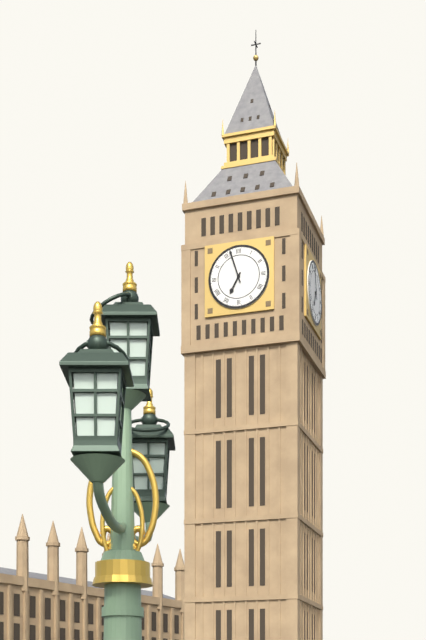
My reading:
6h57
